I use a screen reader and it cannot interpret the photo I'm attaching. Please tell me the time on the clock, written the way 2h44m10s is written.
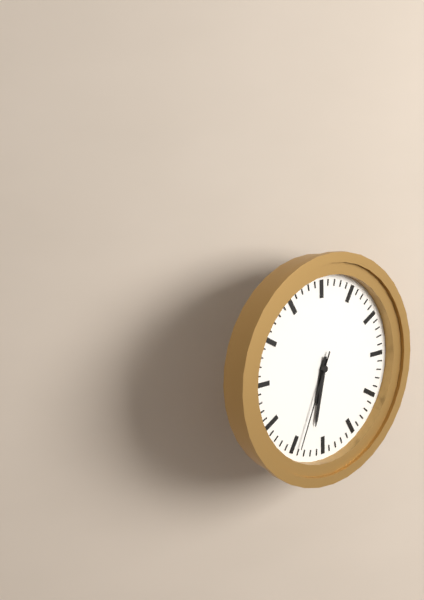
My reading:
6h32m34s
